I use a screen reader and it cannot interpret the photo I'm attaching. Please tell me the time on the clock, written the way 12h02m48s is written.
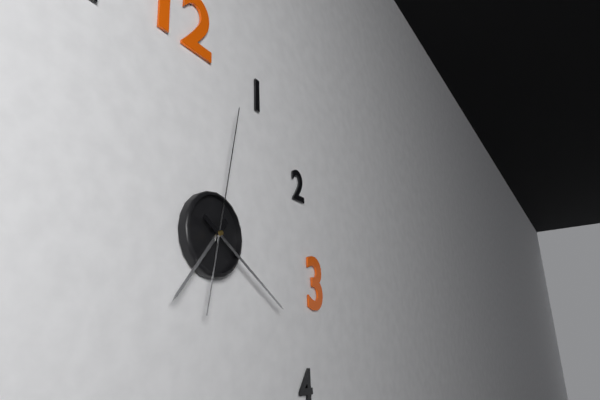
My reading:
7h20m02s
